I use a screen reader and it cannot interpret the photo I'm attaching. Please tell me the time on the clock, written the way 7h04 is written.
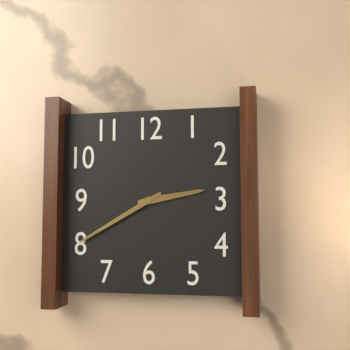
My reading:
2h40
